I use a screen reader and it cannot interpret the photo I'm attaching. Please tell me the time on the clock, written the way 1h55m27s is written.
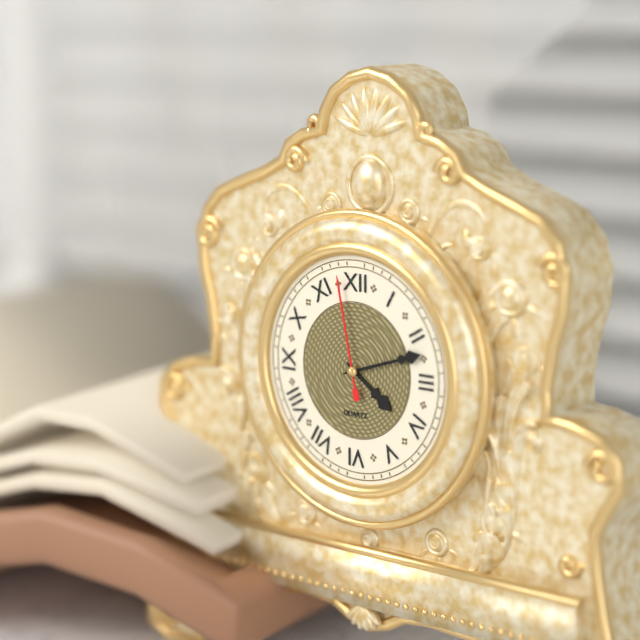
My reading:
4h12m58s
